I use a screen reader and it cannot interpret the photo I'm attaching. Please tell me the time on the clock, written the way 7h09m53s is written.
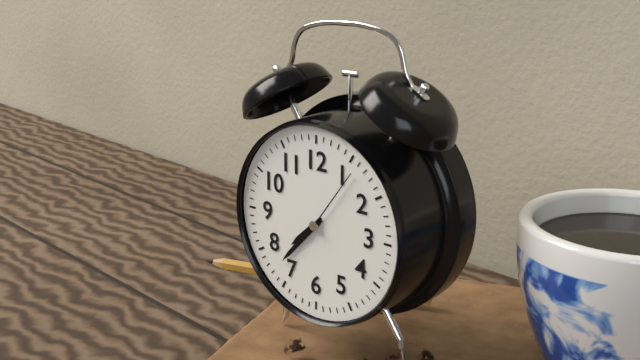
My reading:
7h37m06s
